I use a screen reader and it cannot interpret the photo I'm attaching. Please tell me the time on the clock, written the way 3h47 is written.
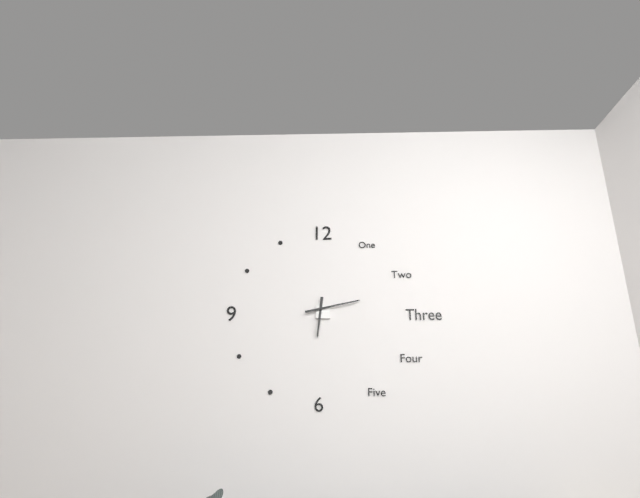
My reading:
6h13
